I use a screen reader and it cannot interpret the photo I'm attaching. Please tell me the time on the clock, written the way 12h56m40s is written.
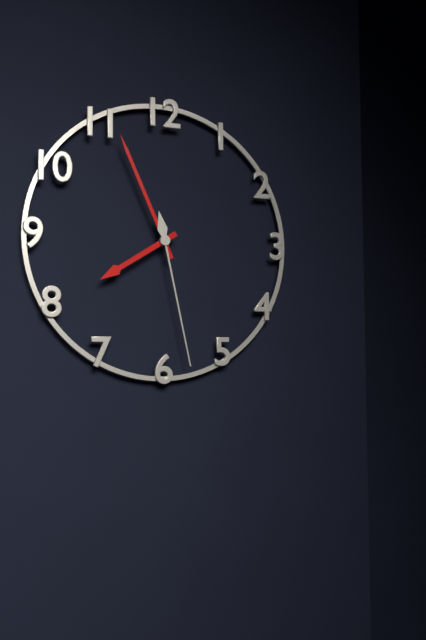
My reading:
7h56m28s
